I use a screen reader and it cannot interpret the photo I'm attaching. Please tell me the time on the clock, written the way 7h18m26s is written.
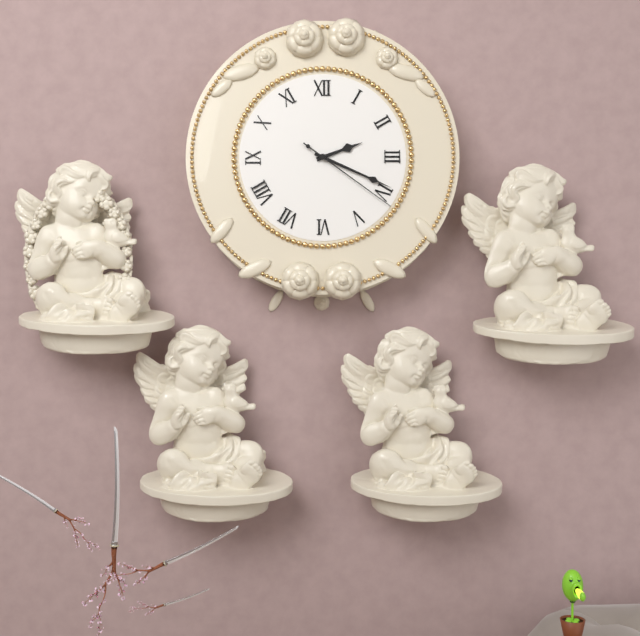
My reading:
2h19m21s
